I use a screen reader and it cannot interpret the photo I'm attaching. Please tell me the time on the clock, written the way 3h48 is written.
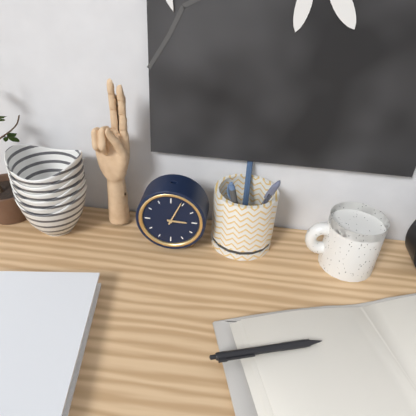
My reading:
3h04
